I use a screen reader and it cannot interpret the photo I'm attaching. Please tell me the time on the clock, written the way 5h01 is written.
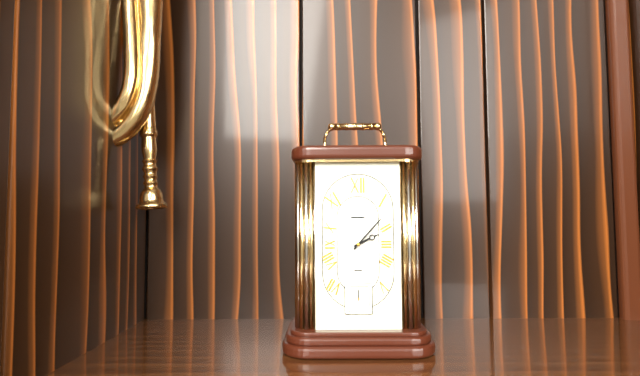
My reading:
2h07
